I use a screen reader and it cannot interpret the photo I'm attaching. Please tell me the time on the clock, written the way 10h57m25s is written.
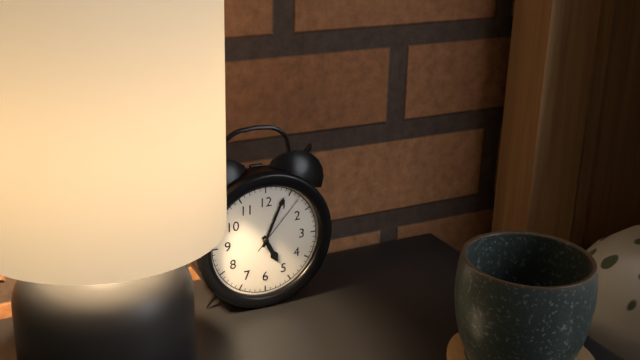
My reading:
5h04m07s
